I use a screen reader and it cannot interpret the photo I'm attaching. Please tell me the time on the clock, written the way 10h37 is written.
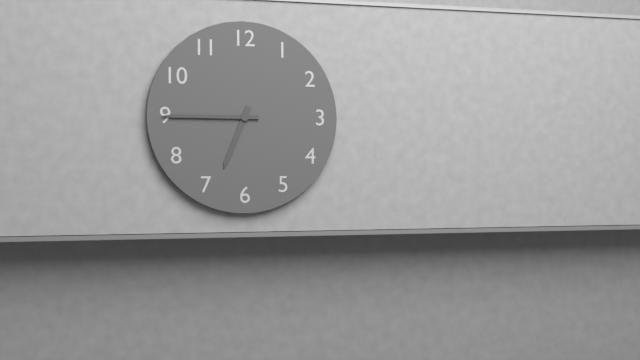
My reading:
6h45
